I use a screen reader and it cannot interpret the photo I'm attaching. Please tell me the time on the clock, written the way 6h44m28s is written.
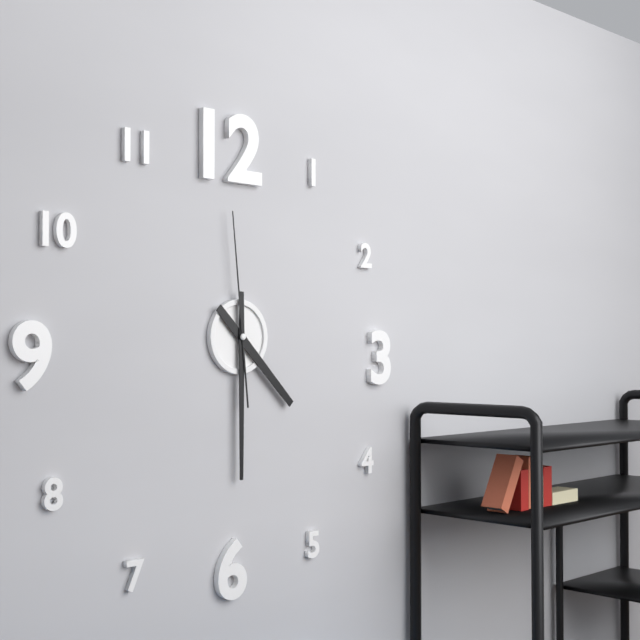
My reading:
4h30m59s
